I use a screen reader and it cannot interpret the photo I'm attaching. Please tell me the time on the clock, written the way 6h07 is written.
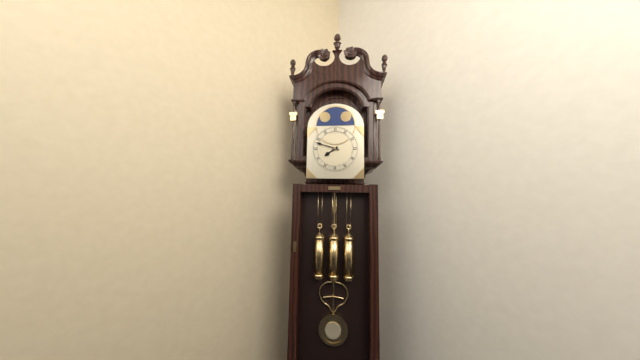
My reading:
7h48
